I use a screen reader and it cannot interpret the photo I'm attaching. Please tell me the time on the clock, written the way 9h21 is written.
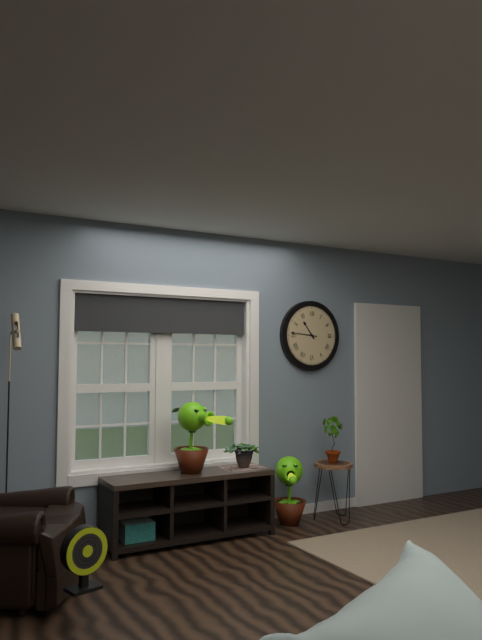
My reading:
10h46
